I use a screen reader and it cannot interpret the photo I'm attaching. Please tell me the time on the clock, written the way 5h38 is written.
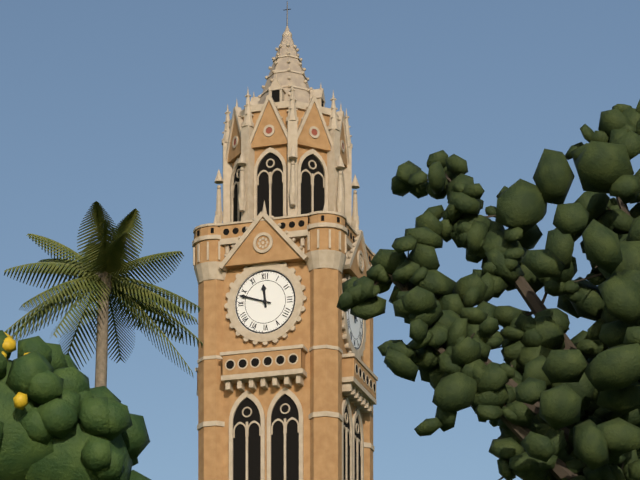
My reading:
11h48
